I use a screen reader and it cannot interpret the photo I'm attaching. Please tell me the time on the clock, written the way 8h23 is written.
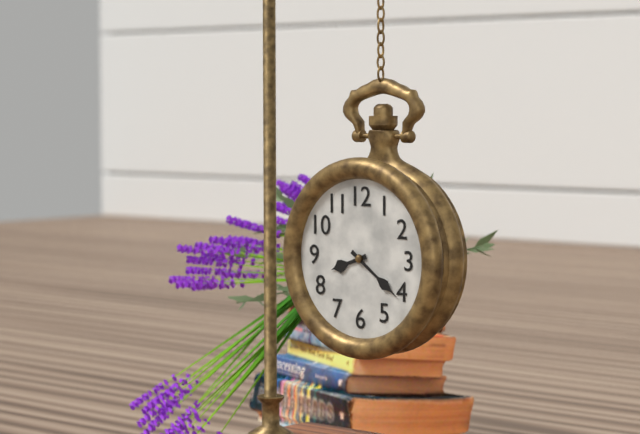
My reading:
8h21
